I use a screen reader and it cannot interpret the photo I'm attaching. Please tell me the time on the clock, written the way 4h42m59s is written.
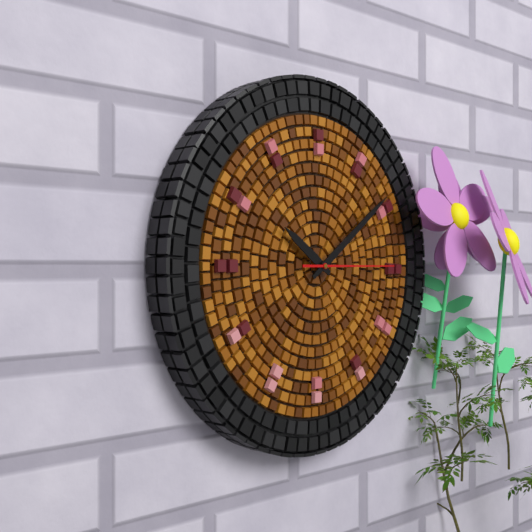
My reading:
10h09m15s
